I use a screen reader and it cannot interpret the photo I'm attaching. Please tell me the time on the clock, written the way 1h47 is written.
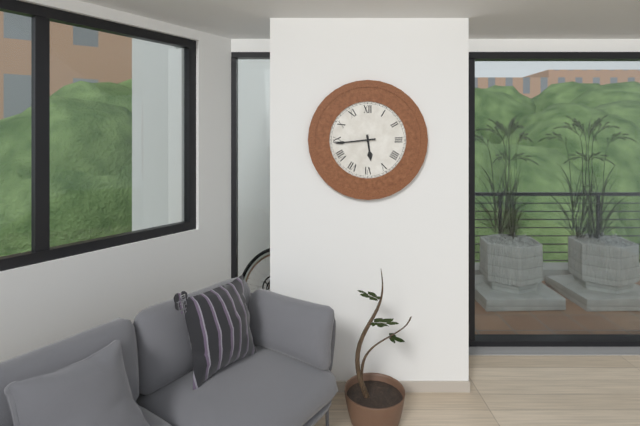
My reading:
5h44
